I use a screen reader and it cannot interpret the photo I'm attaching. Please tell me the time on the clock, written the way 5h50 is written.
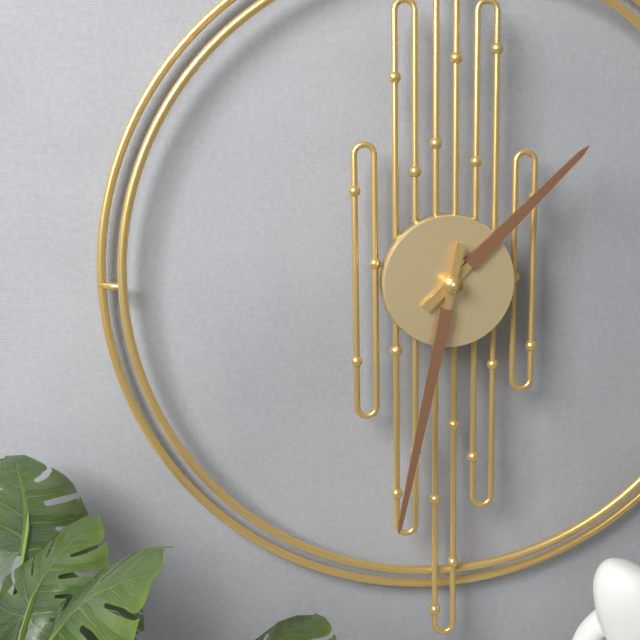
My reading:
1h32
